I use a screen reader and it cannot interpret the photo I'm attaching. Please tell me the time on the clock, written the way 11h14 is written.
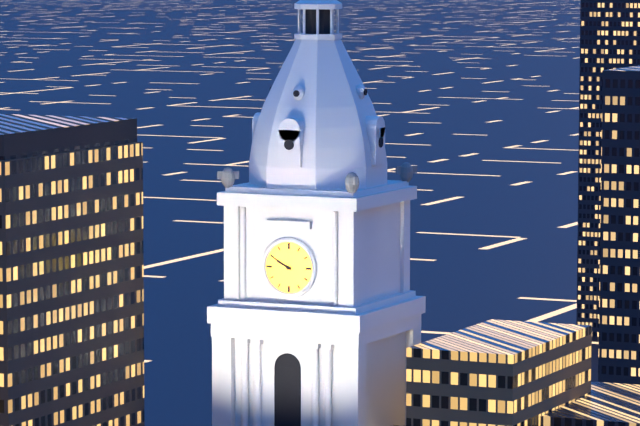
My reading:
9h50
